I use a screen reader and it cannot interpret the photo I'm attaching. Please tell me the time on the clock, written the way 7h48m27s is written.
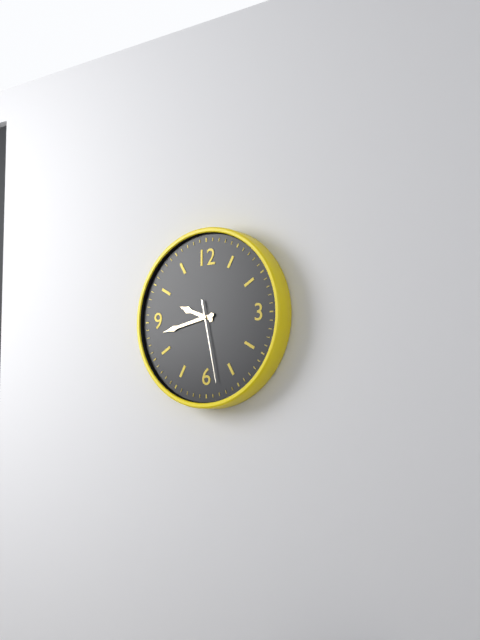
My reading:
9h43m28s
